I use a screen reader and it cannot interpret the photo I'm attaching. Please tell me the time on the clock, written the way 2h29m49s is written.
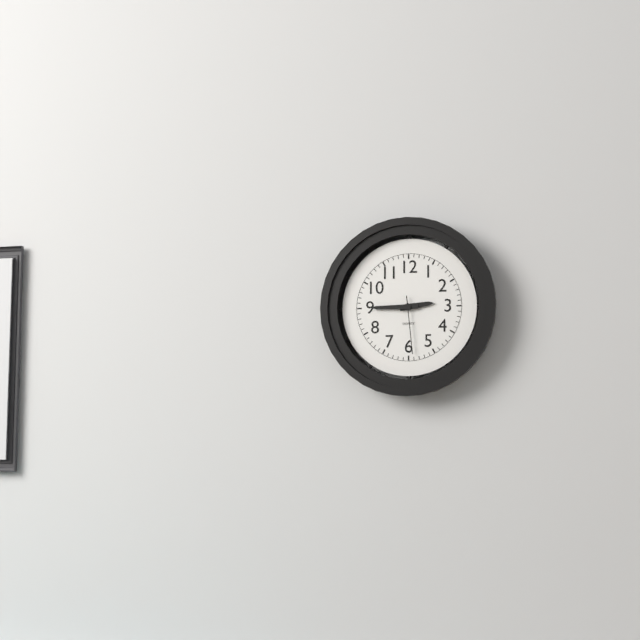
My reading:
2h45m29s
